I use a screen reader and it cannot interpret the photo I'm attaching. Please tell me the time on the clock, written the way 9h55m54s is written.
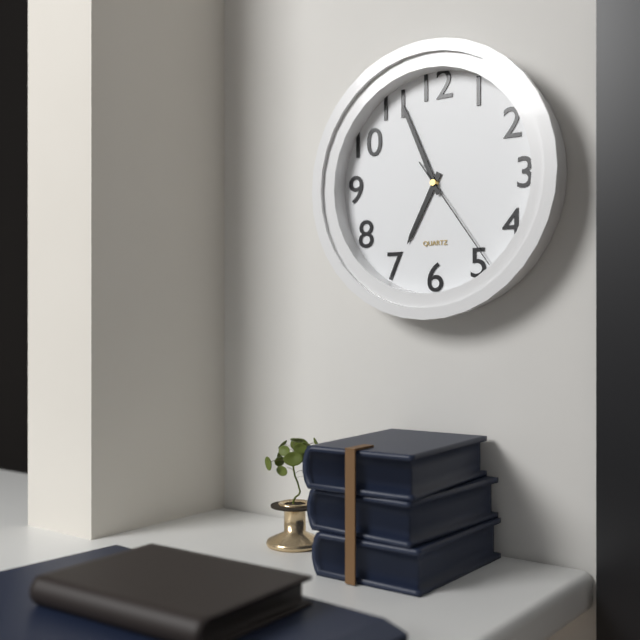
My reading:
6h56m24s
